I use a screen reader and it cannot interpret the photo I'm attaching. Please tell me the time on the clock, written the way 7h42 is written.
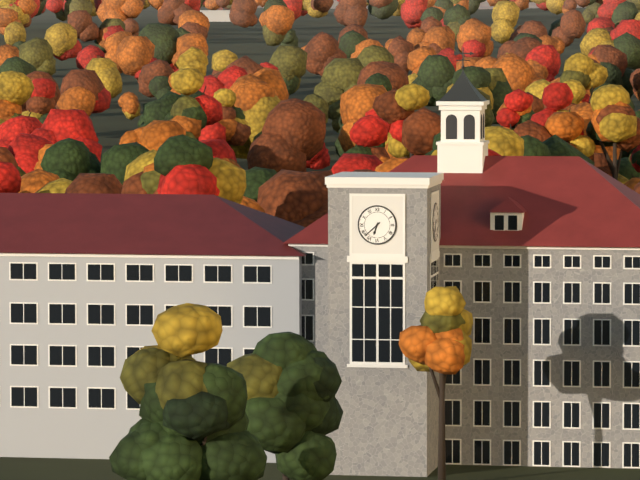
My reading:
6h38
